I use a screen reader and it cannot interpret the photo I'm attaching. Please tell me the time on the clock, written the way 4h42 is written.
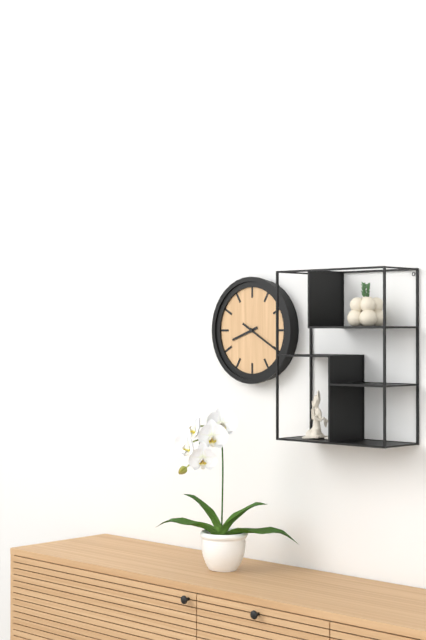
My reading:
8h20
